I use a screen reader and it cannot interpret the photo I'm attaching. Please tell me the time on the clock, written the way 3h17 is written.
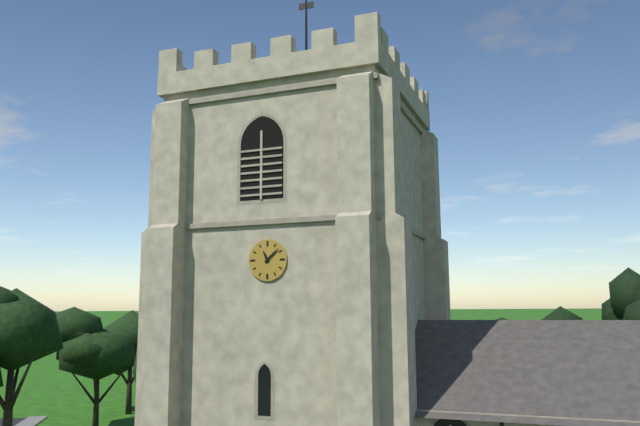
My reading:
11h08
